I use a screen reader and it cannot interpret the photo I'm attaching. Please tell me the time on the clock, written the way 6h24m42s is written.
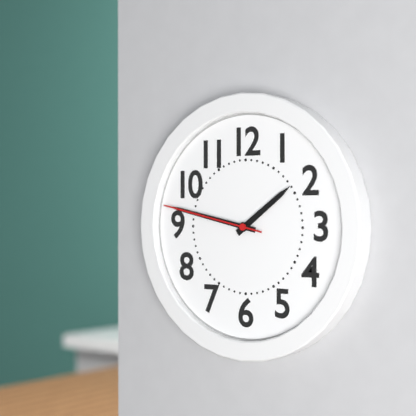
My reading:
1h47m47s
